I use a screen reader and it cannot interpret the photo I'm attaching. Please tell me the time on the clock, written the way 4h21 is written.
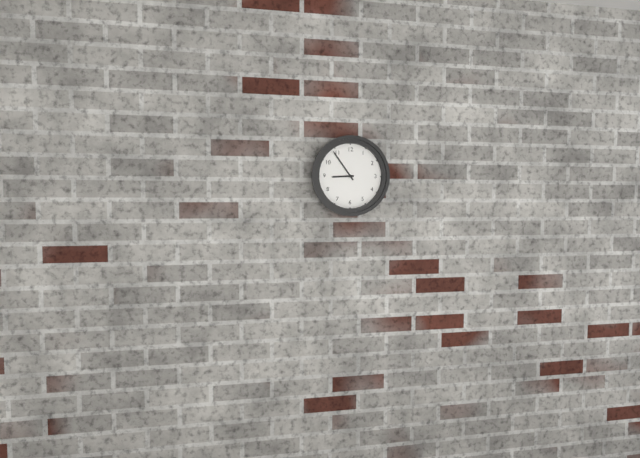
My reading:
8h54
